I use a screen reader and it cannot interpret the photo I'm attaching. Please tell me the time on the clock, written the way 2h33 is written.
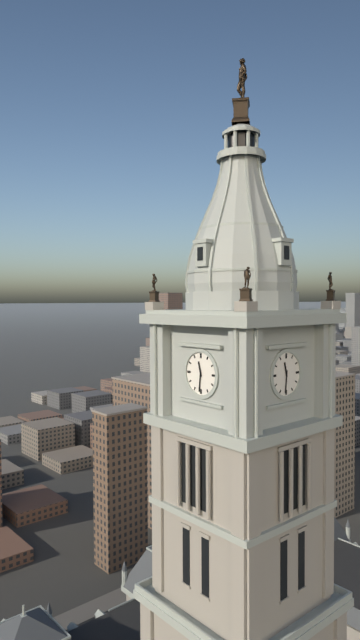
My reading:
11h31
